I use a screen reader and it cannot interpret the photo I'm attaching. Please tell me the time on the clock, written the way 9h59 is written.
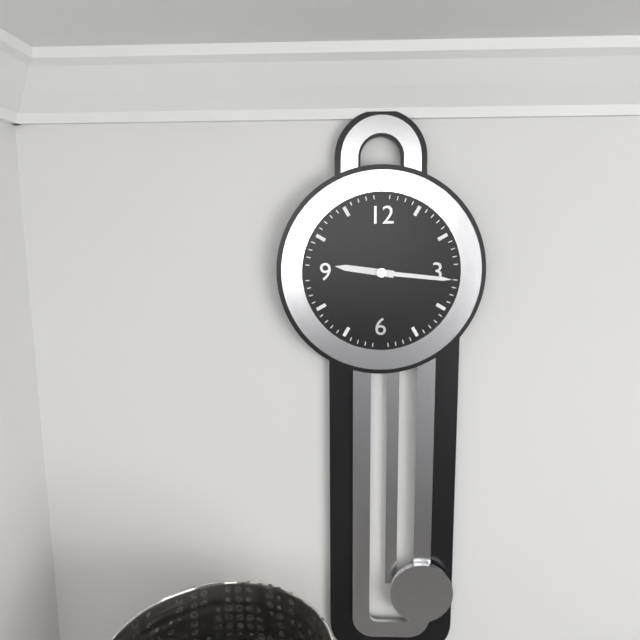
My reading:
9h16
